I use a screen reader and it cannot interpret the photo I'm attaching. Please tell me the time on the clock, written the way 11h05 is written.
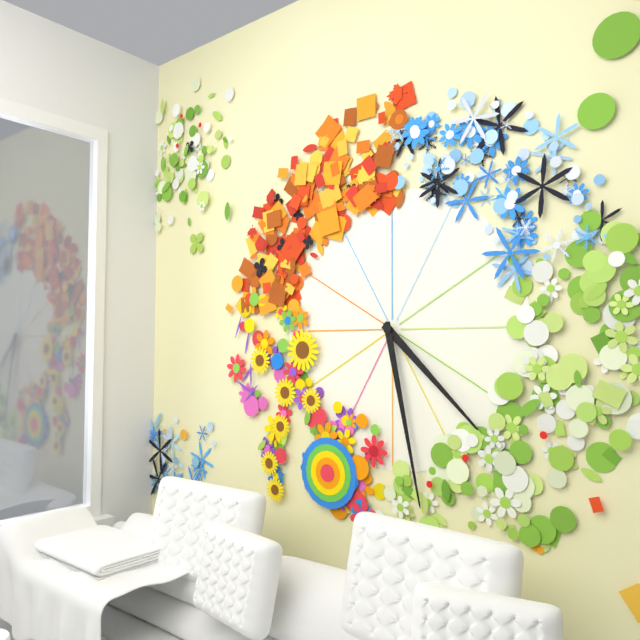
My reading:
4h28
